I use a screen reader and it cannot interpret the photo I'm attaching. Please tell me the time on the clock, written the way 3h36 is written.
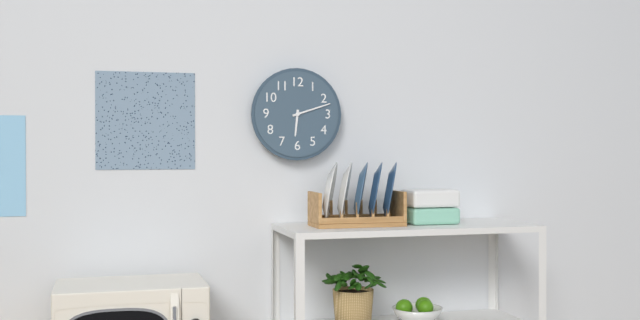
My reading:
6h12
